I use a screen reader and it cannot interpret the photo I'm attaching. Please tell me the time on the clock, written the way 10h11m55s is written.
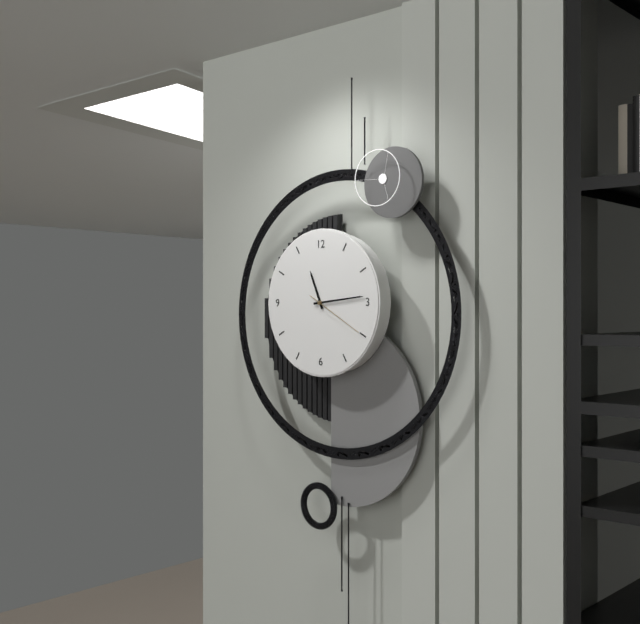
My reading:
11h14m20s
